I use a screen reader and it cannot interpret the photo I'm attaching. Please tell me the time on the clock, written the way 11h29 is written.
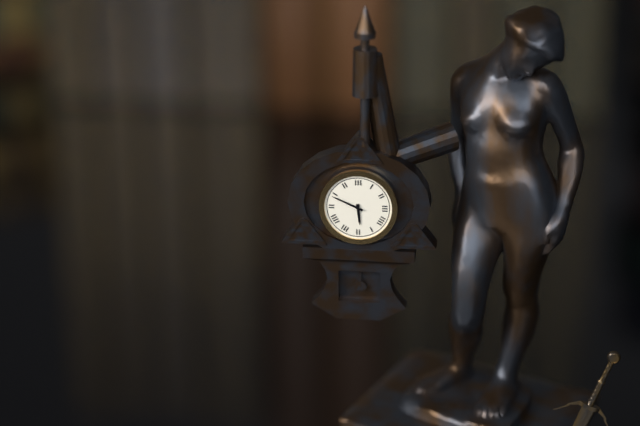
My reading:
5h49
